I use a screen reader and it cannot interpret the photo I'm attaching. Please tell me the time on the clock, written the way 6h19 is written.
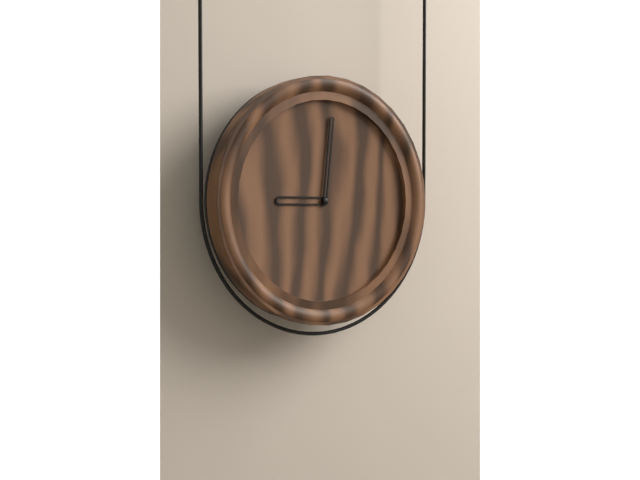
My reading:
9h01
